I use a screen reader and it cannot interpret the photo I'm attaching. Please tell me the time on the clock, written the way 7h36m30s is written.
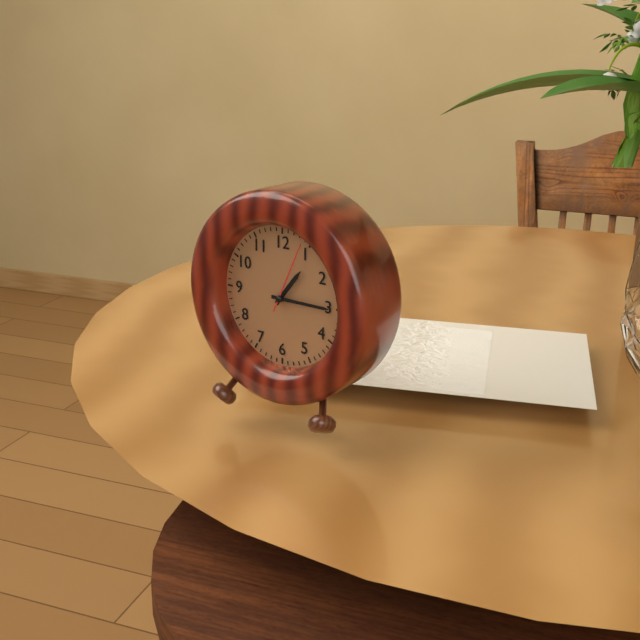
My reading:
1h15m04s
